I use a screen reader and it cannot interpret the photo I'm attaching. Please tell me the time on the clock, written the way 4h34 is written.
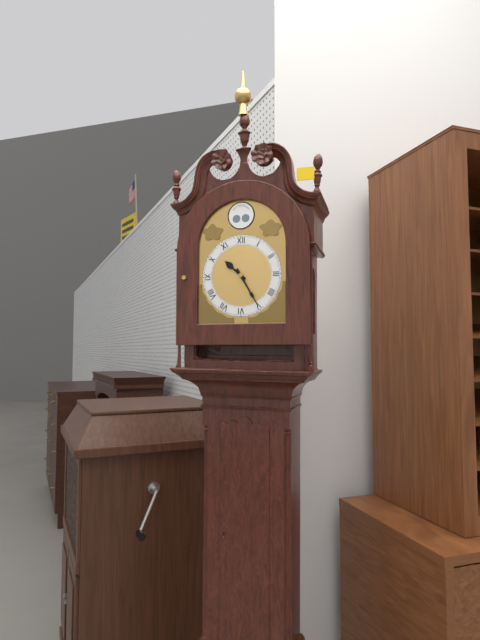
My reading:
10h25
